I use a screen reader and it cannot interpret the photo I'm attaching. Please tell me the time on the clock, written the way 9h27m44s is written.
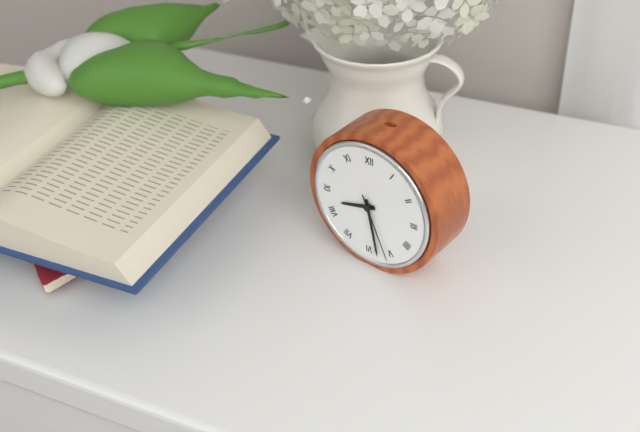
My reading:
8h28m26s
